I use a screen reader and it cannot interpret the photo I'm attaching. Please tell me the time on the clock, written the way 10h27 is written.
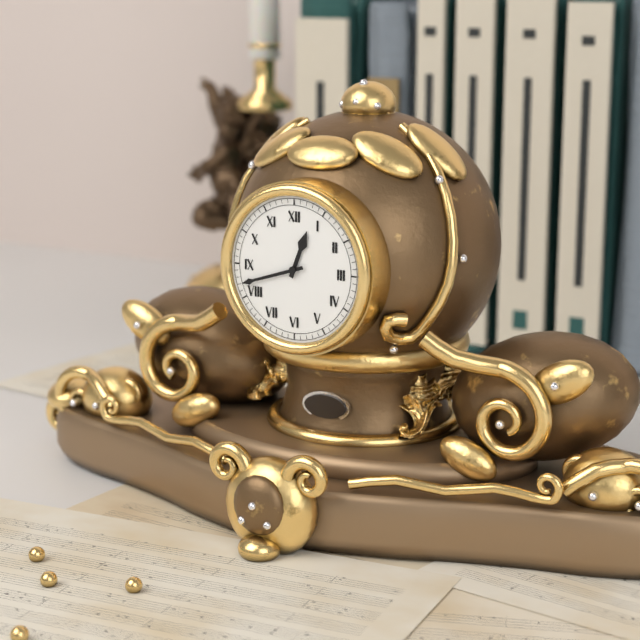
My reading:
12h42
